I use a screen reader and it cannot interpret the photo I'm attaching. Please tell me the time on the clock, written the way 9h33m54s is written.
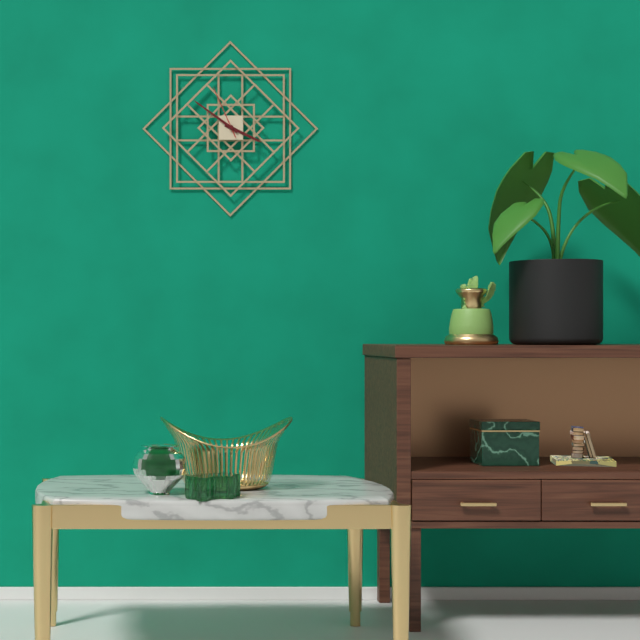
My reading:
3h51m56s
